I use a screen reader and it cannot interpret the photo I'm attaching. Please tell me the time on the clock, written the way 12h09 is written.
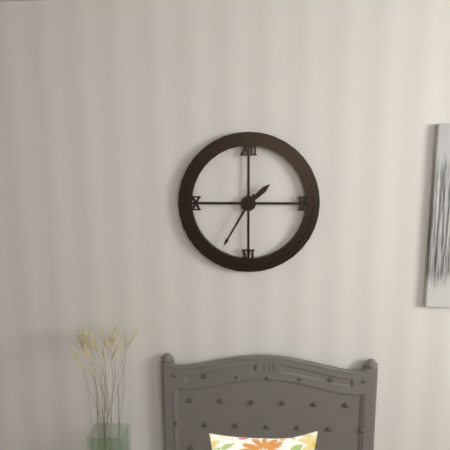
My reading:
1h35
